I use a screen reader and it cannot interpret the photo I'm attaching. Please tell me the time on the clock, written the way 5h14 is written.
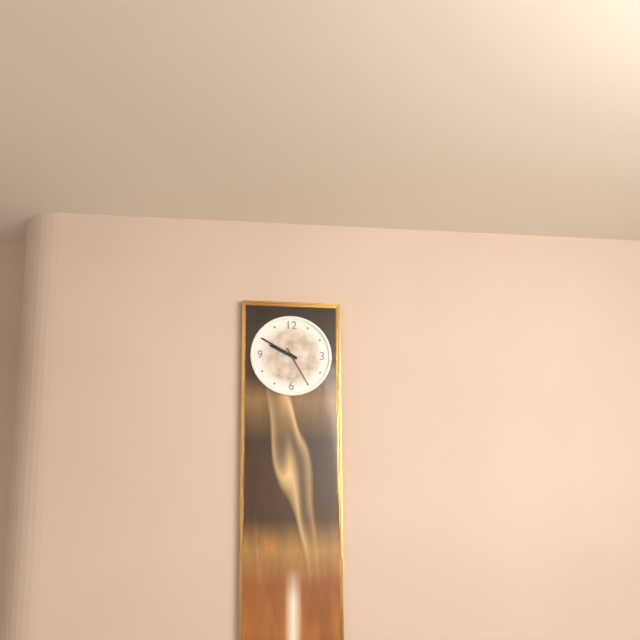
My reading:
9h50
